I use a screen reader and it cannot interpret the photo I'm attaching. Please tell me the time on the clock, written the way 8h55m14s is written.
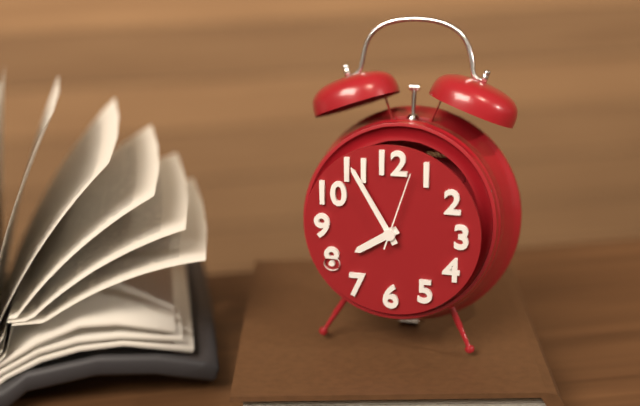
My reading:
7h55m03s
